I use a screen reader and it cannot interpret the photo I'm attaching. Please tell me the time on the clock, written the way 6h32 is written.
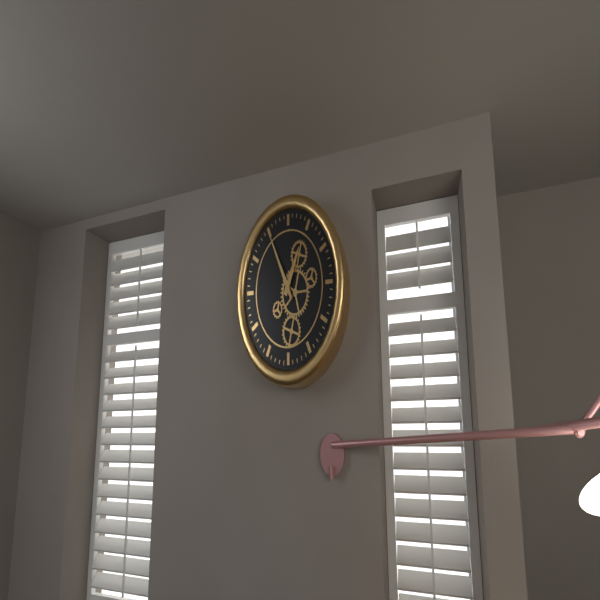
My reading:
12h55
